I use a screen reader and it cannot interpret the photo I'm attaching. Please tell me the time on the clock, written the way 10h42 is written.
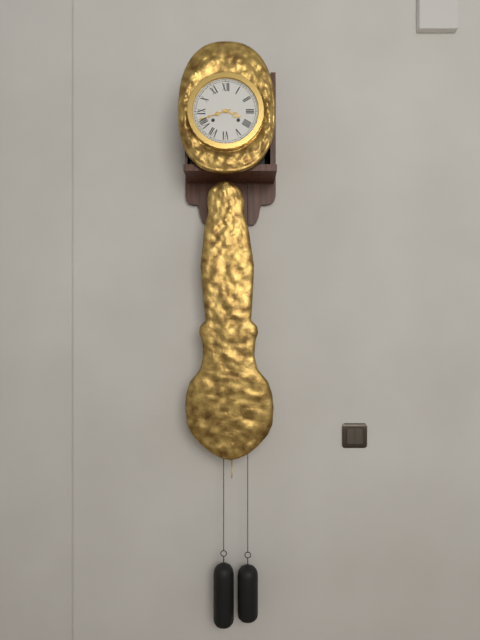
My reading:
3h42
